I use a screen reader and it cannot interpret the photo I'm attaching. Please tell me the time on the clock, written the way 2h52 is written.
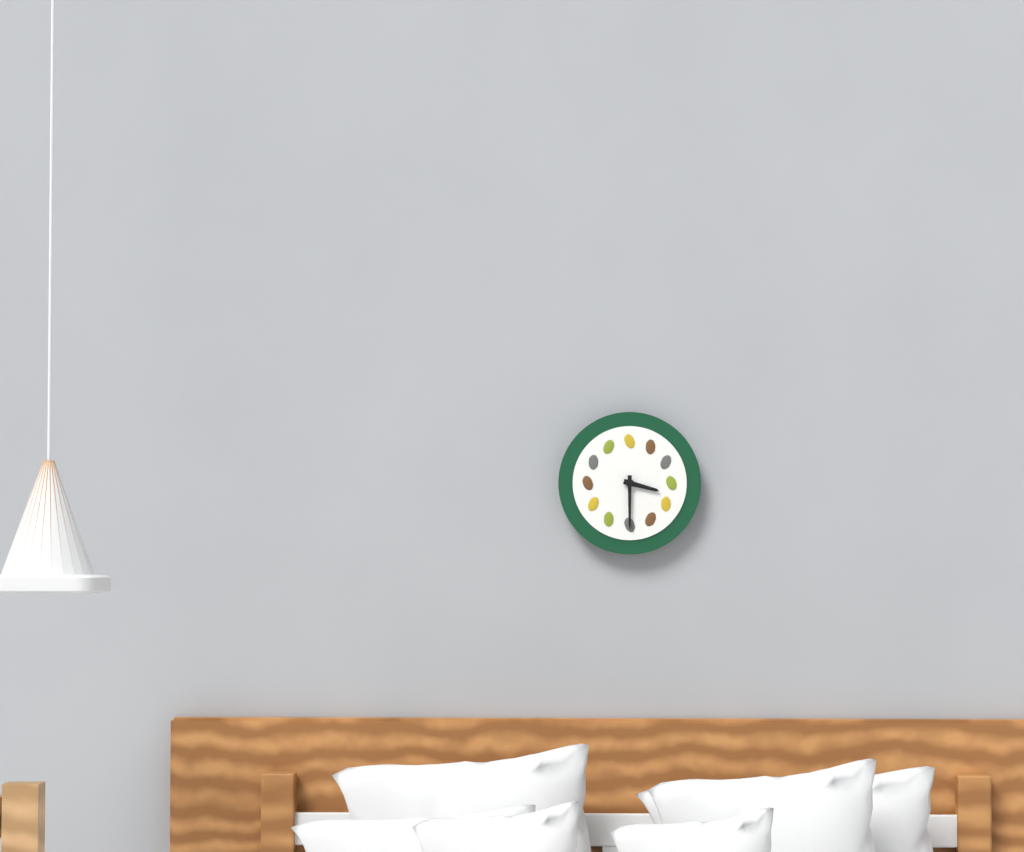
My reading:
3h30
